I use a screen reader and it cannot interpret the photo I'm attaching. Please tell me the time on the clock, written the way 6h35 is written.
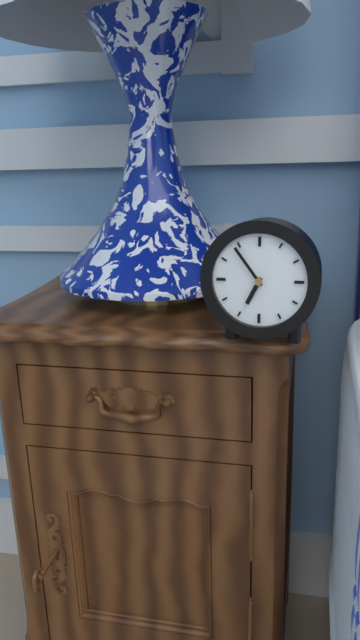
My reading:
6h54
